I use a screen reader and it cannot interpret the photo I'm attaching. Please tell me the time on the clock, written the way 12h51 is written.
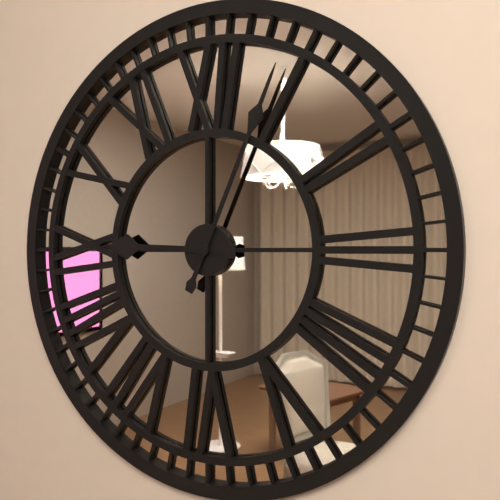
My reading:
9h04
